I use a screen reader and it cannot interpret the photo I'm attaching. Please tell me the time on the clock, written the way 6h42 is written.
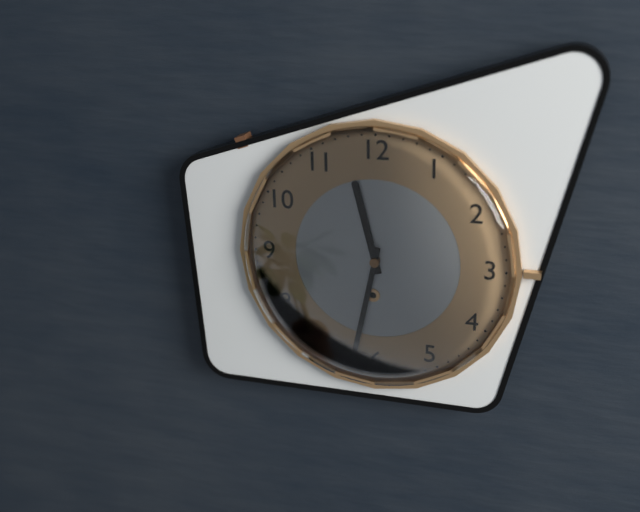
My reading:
11h32
